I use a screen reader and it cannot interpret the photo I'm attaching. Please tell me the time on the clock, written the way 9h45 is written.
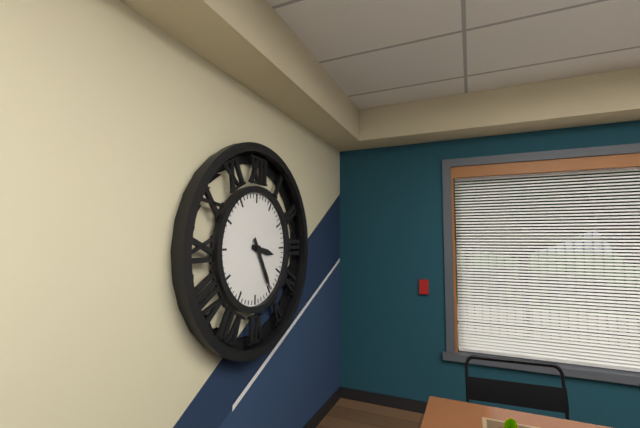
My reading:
3h25
